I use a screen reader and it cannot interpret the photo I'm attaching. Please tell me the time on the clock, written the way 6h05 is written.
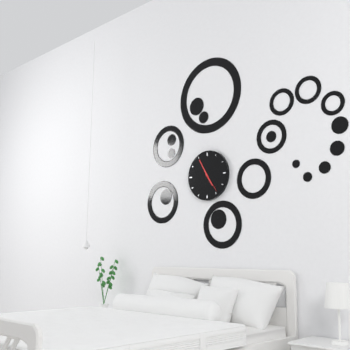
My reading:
4h55
